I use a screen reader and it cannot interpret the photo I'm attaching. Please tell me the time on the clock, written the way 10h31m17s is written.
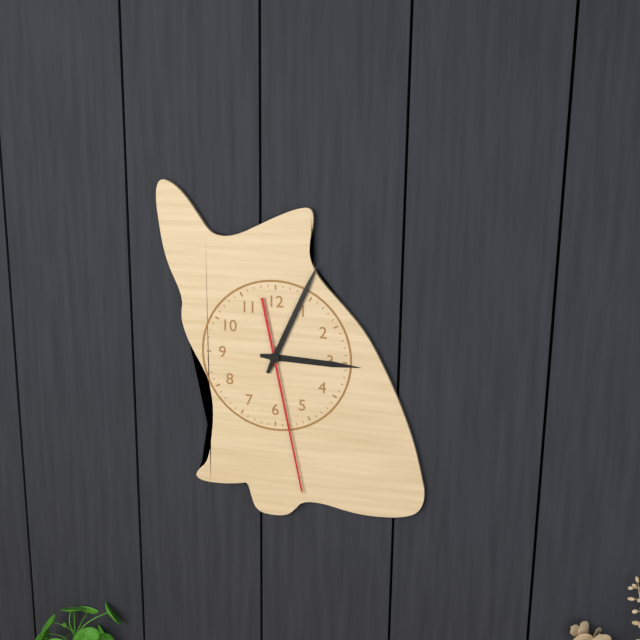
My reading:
3h04m28s
